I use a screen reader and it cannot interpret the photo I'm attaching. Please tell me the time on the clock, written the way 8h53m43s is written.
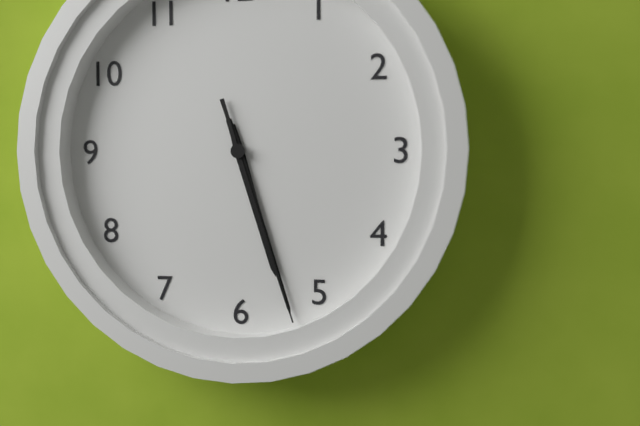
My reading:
5h27m27s
